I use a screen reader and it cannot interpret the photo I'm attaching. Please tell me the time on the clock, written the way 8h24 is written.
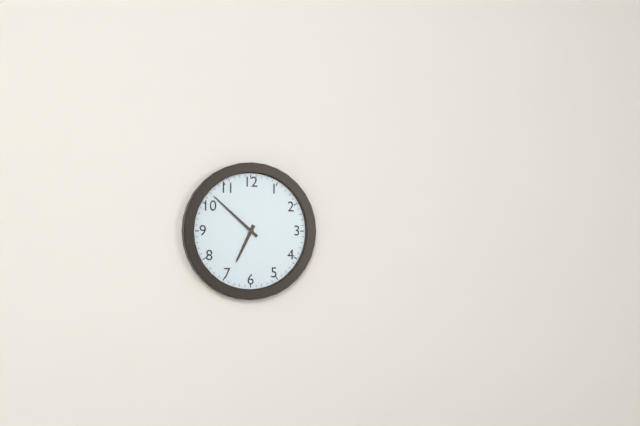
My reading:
6h52
